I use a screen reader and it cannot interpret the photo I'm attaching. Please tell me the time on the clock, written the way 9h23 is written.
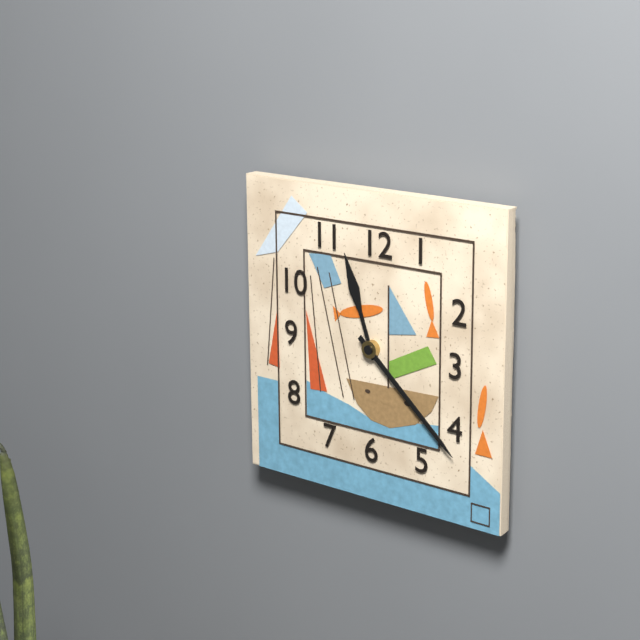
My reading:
11h22
